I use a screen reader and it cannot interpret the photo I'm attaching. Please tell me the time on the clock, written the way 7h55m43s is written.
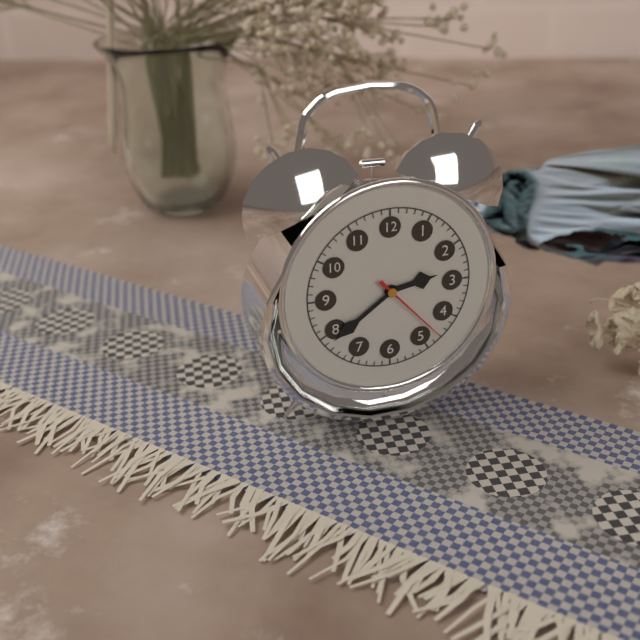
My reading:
2h39m23s
